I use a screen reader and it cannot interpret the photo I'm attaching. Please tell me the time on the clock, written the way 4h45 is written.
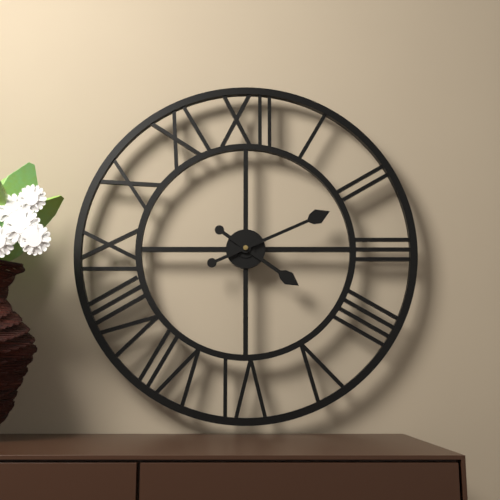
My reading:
4h11
